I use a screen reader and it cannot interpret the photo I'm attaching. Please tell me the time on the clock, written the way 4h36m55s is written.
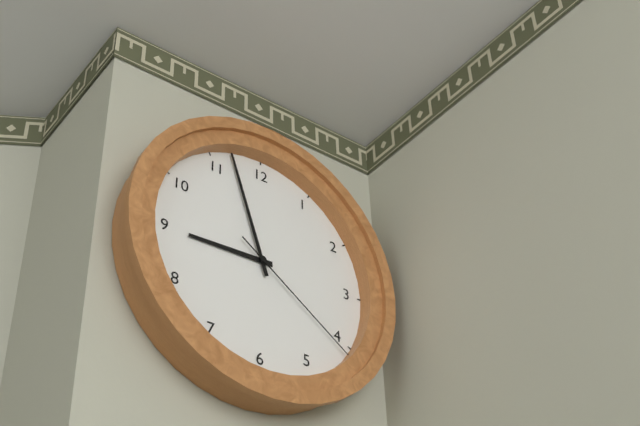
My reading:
8h57m21s
